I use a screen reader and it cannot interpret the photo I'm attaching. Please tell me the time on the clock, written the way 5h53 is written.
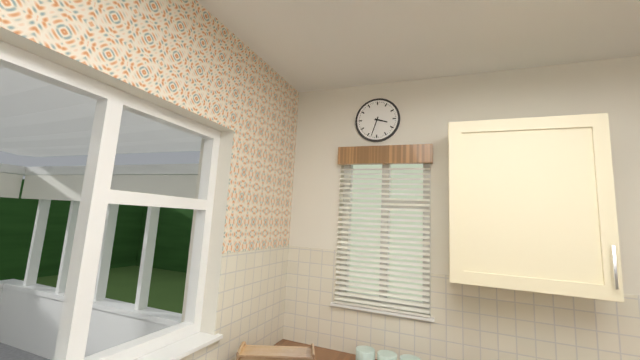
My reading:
3h33
